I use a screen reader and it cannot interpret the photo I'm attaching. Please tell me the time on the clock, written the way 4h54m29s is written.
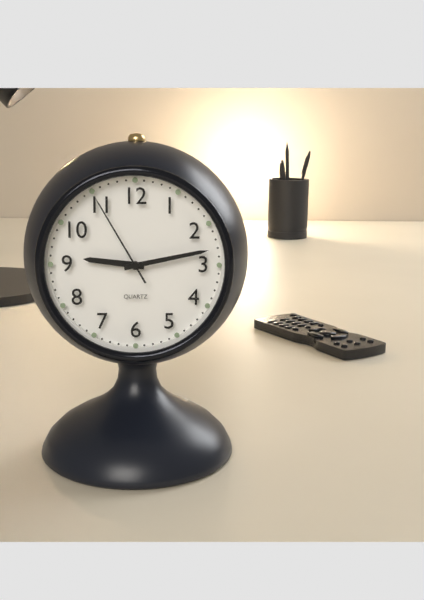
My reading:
9h13m55s
